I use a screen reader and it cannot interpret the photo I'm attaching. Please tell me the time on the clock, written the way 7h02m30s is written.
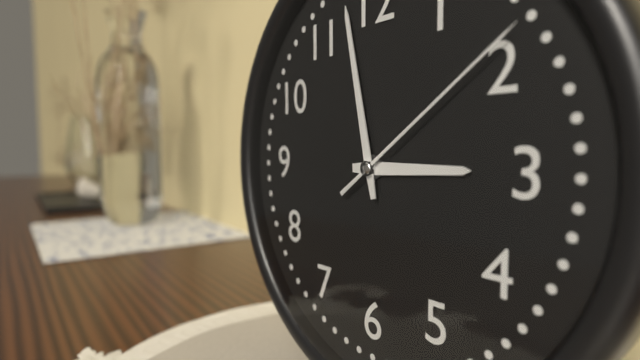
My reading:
2h58m09s
